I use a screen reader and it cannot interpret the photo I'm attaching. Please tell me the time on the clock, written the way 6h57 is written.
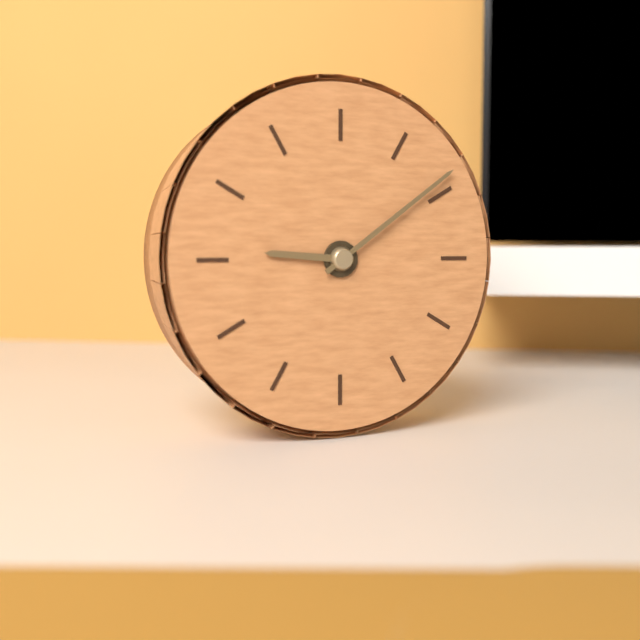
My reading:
9h09
